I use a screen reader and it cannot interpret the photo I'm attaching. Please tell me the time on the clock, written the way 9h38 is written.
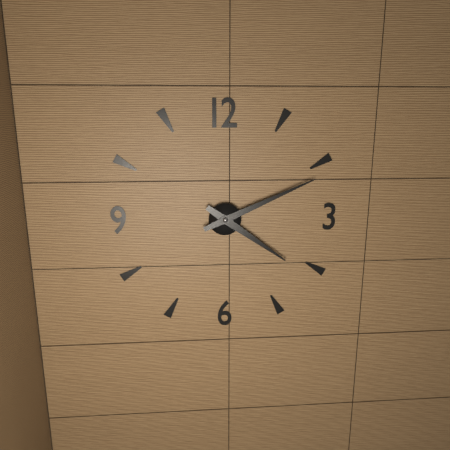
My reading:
4h11
